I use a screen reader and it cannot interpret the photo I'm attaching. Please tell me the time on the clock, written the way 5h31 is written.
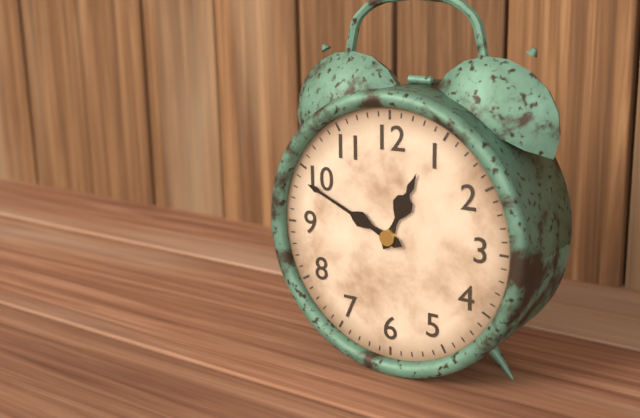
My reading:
12h49
